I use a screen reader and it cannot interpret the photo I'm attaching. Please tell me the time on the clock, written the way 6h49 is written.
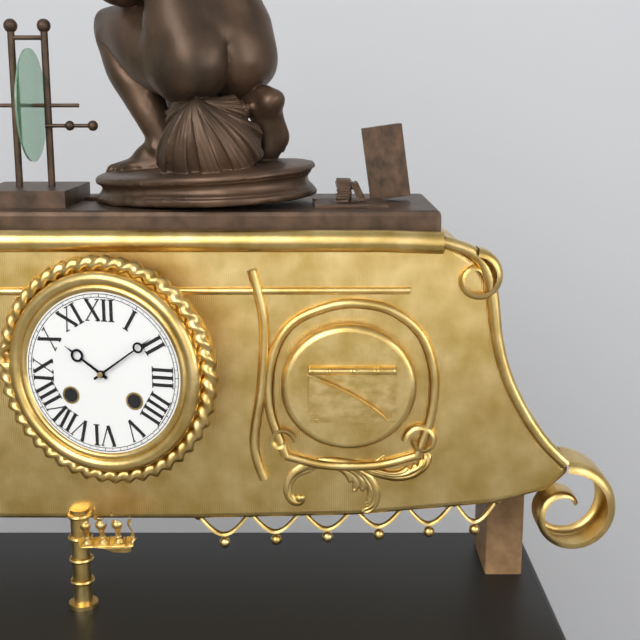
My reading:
10h09
